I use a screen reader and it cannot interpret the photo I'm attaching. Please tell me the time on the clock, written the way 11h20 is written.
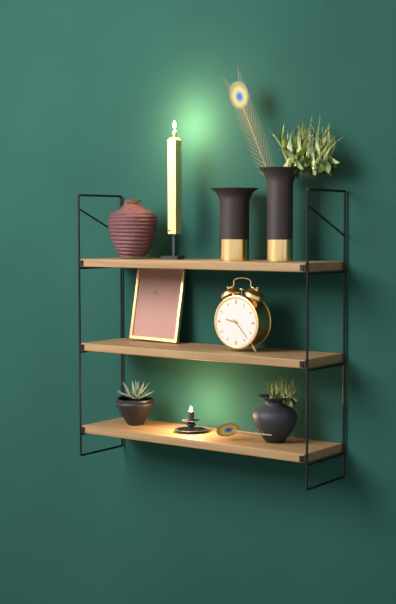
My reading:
9h23
